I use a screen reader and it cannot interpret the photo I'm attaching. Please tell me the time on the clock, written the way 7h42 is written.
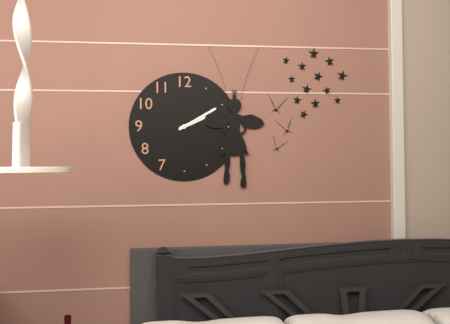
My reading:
2h10
